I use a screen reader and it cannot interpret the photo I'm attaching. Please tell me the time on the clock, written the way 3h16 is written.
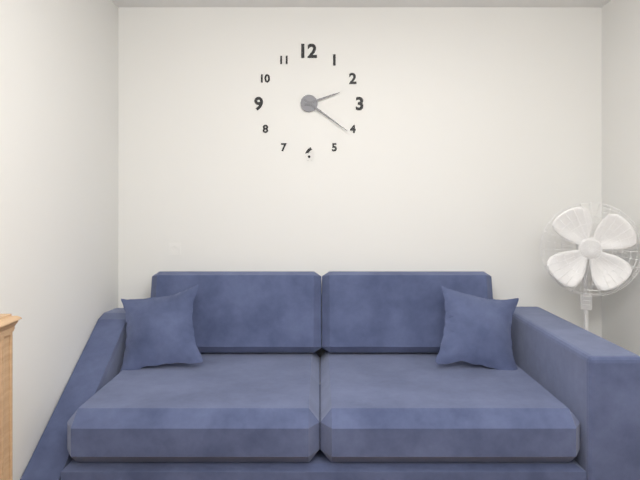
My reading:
2h21
